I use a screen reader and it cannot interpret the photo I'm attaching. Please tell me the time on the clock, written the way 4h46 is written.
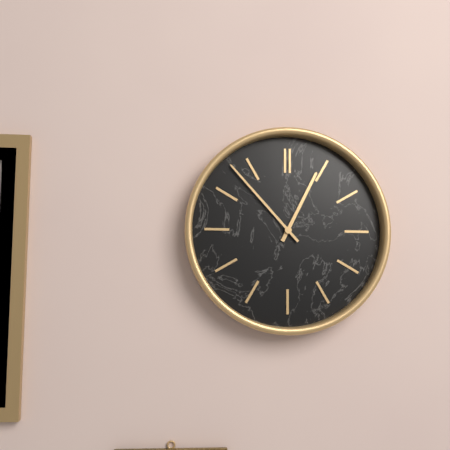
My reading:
12h53
